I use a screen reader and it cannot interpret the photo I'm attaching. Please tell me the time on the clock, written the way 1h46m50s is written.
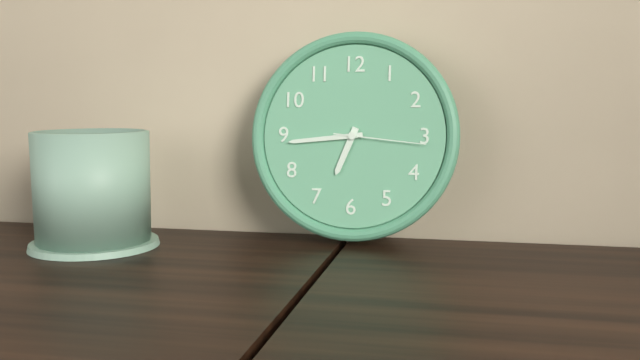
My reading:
6h44m16s
